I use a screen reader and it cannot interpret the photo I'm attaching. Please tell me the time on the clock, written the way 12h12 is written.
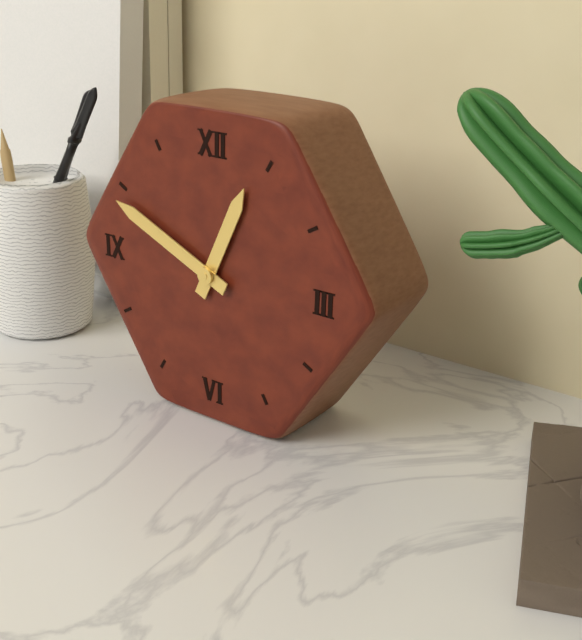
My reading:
12h49
